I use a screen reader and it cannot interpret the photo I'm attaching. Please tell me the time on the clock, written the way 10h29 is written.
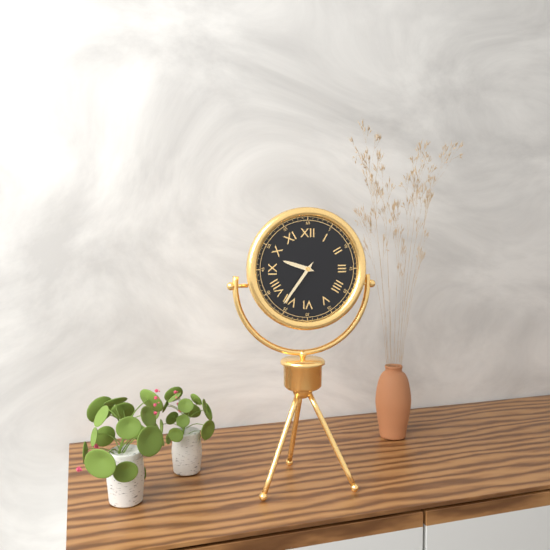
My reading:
9h36
